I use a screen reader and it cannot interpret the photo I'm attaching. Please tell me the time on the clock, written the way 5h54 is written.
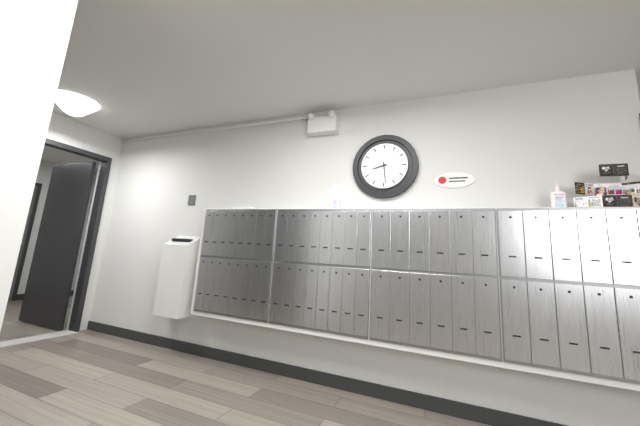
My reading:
8h29
